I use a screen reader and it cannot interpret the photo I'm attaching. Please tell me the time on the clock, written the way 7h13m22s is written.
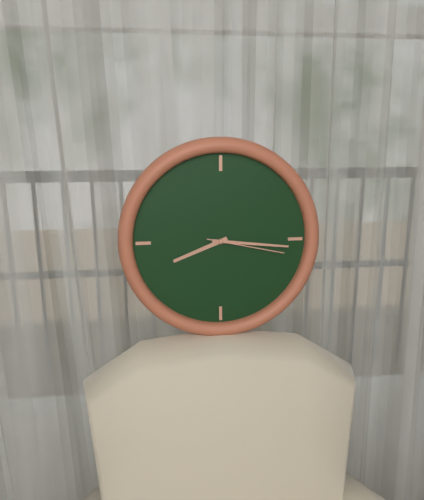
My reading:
8h16m17s
